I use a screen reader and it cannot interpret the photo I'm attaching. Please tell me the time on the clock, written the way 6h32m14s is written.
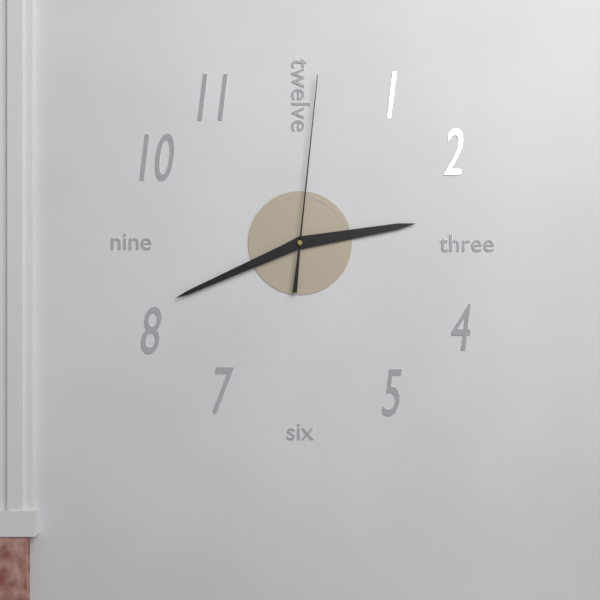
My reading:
2h41m01s
